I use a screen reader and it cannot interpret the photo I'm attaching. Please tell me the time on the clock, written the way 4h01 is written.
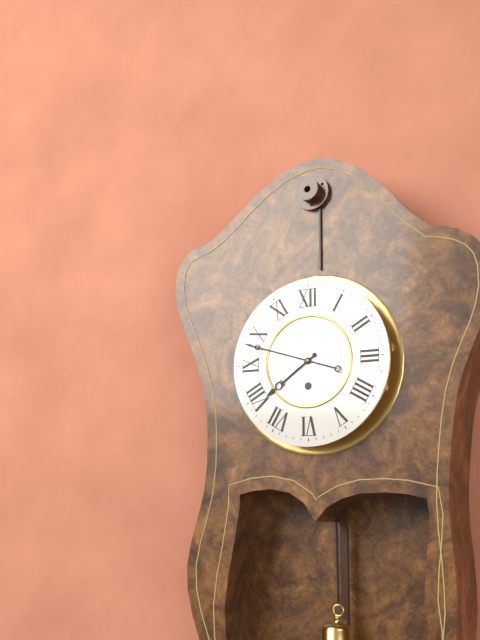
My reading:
7h48
